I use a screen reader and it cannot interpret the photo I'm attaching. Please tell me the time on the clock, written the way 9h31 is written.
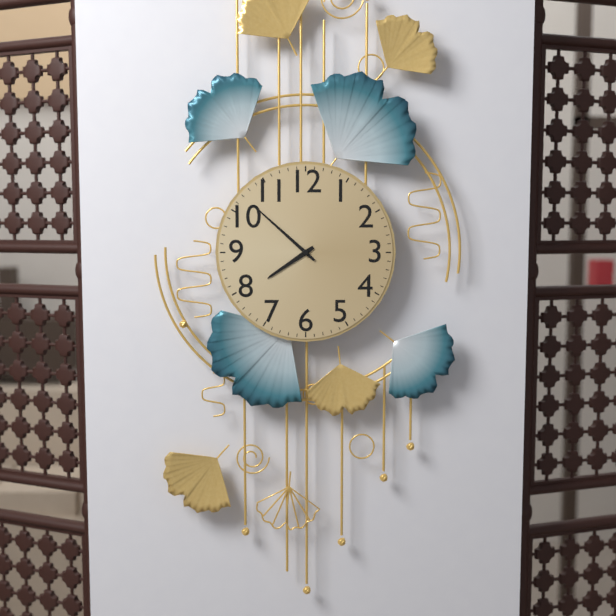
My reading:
7h52
